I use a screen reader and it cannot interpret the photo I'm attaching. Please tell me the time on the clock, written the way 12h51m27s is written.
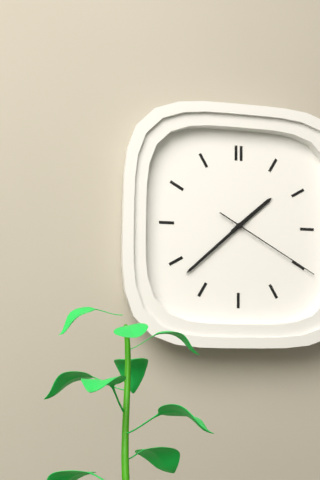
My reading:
1h38m20s
